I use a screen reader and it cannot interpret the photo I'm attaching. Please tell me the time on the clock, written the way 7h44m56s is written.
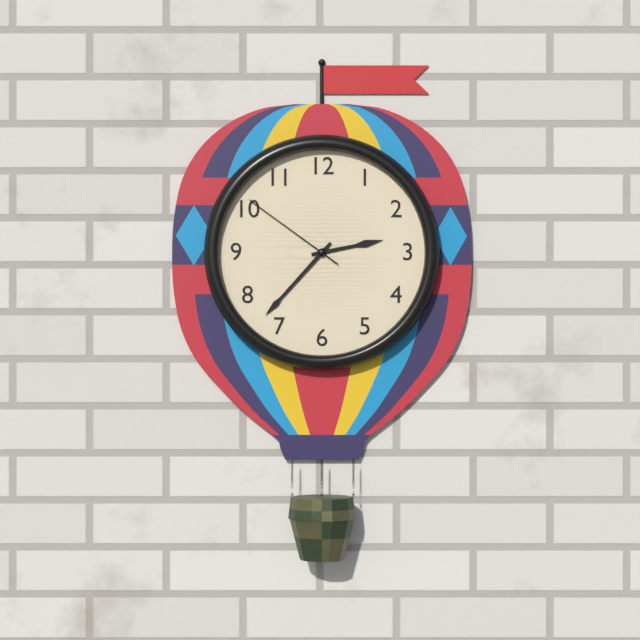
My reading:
2h37m51s
